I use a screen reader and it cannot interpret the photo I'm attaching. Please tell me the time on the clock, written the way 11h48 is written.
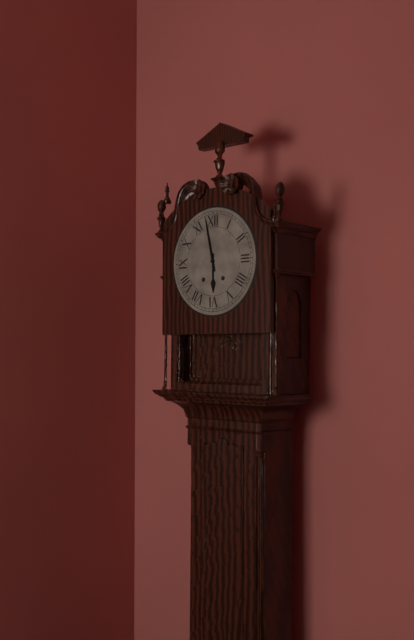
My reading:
5h58
